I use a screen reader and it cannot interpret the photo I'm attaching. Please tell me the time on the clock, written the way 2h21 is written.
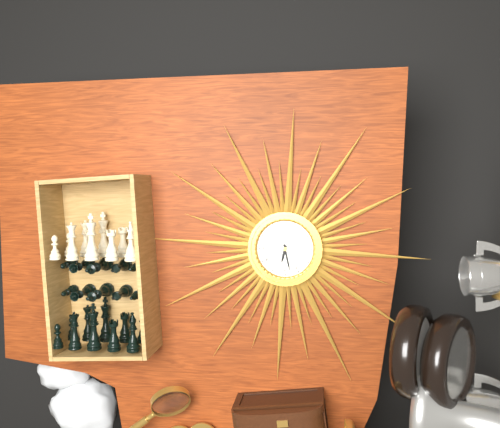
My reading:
6h28
